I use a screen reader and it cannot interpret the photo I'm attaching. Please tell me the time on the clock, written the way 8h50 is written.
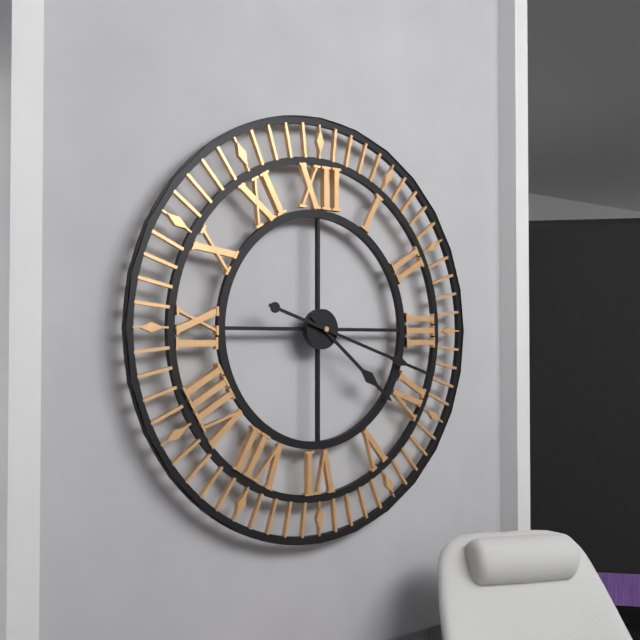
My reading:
4h18
